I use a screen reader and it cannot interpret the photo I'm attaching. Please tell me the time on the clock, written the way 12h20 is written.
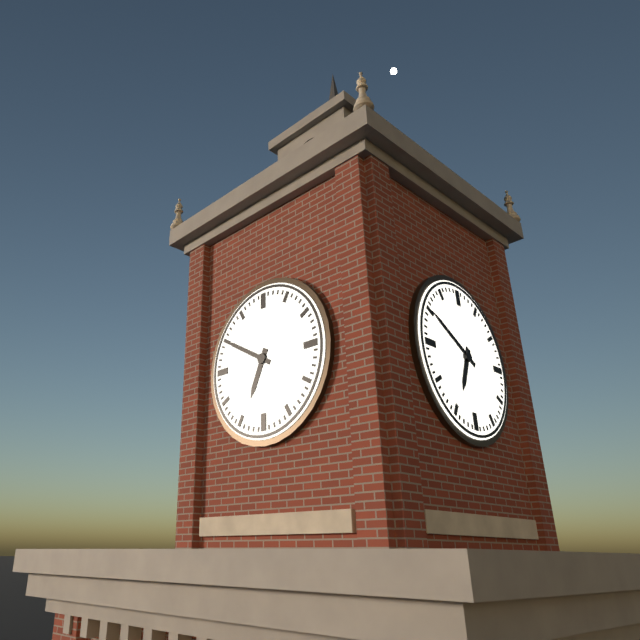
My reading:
6h50
